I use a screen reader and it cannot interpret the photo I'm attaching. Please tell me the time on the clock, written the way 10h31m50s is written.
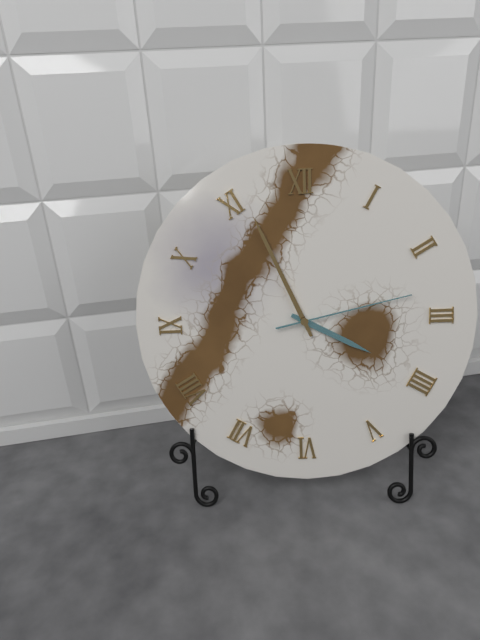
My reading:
3h56m13s
